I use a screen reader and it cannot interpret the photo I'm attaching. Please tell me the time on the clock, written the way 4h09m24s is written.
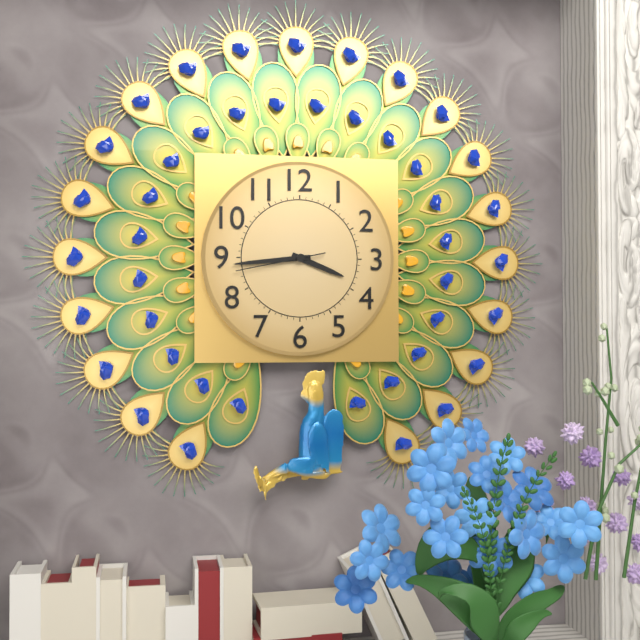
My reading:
3h44m43s
